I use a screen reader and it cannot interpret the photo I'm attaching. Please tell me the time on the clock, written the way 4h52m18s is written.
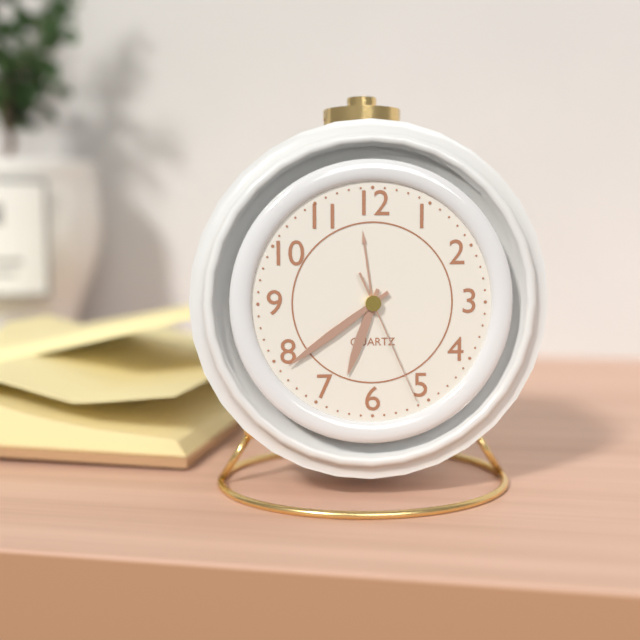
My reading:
6h39m26s
